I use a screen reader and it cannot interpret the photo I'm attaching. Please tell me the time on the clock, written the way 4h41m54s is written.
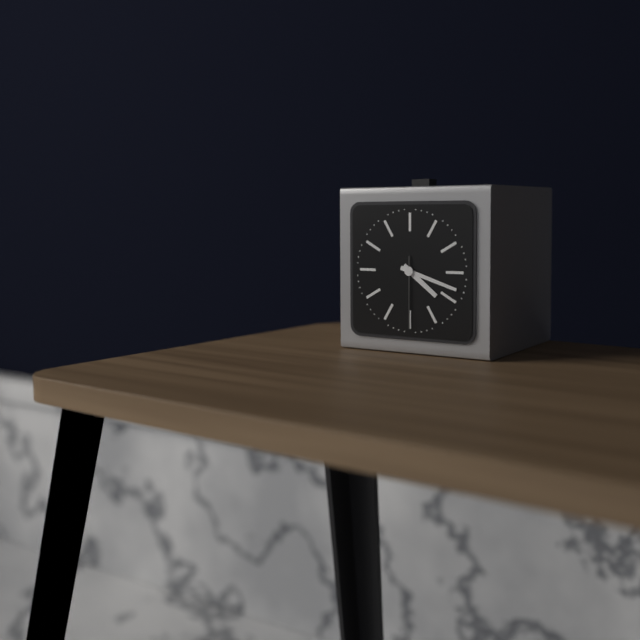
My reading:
4h18m30s
